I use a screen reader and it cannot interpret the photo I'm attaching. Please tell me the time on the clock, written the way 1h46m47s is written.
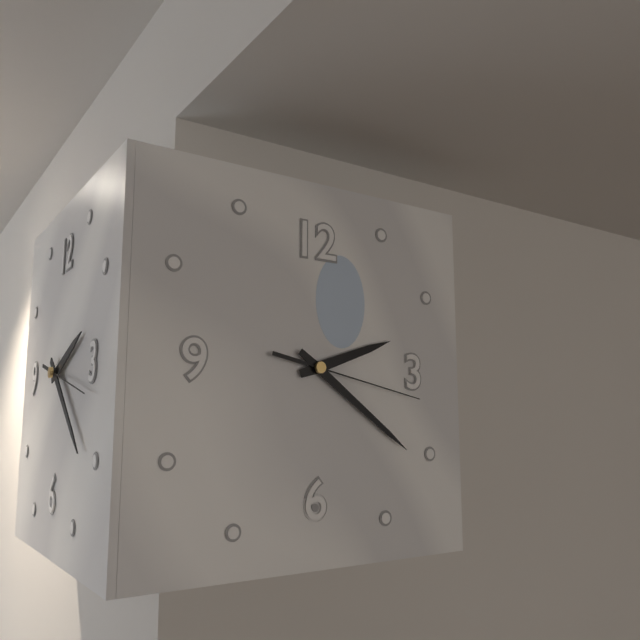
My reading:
2h21m17s
